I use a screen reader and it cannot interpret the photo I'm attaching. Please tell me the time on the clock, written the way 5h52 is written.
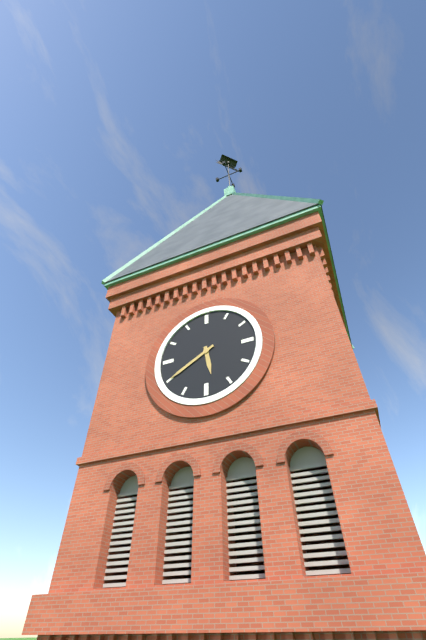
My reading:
5h40
